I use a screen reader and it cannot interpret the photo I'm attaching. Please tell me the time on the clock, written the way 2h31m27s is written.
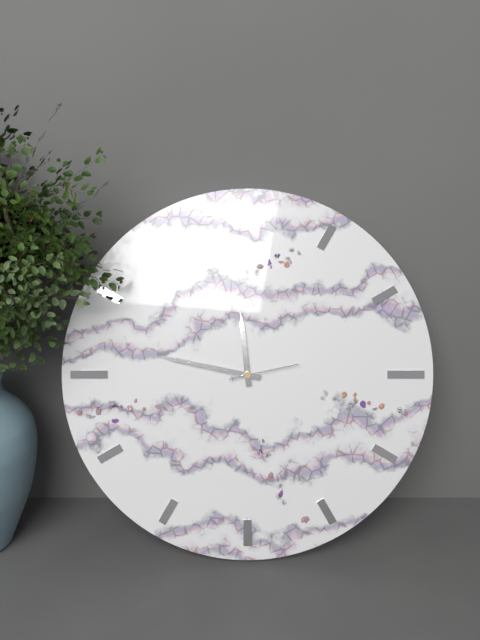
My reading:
11h47m13s
